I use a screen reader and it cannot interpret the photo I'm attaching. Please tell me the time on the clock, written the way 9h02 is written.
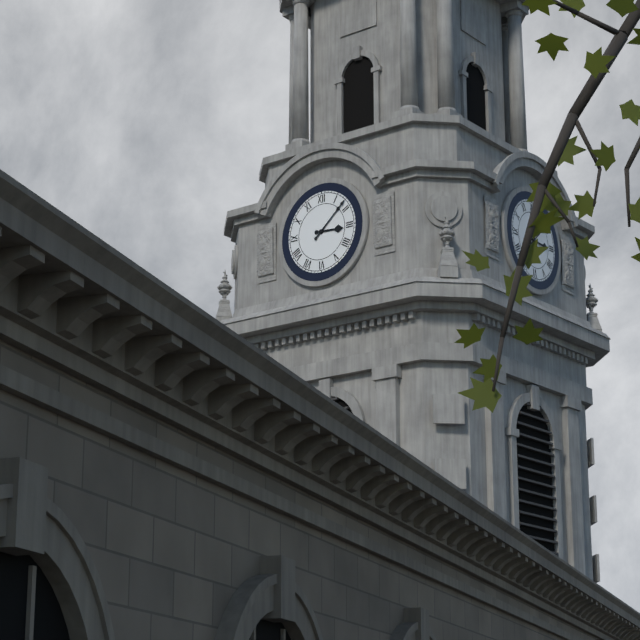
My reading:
3h08
